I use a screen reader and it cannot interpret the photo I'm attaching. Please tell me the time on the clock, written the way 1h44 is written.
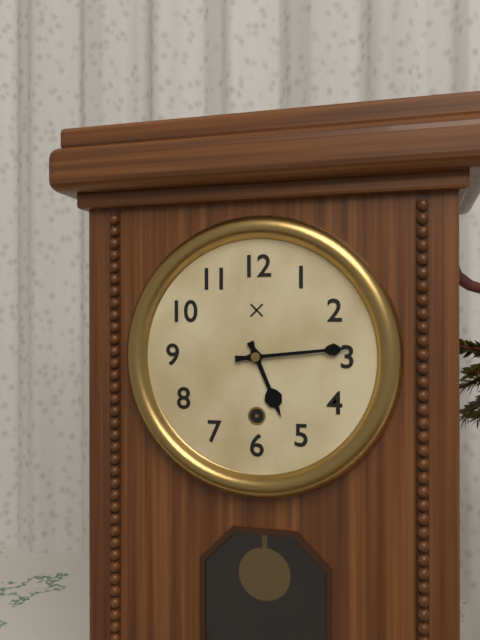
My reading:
5h14
